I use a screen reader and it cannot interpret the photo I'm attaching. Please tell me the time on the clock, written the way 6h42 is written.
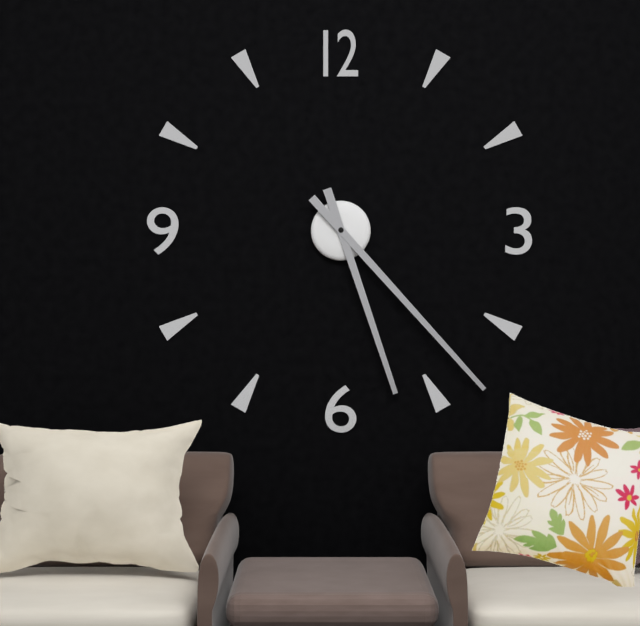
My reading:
5h23
